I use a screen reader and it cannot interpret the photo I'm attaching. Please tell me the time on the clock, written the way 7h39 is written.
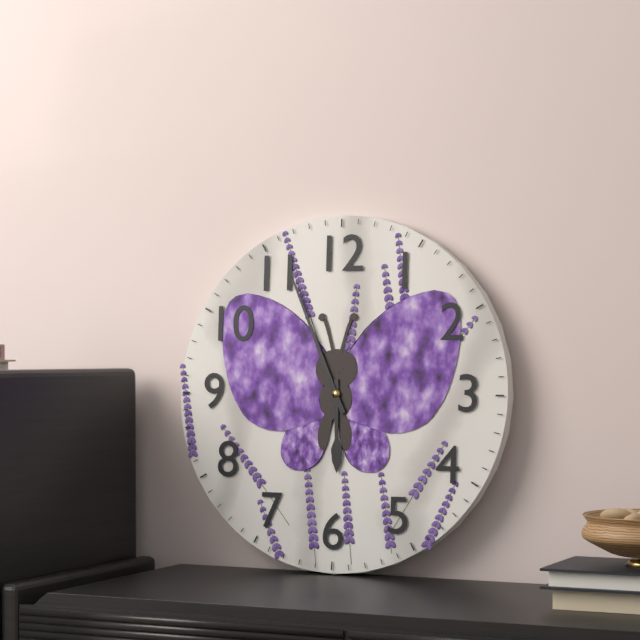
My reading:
5h56
